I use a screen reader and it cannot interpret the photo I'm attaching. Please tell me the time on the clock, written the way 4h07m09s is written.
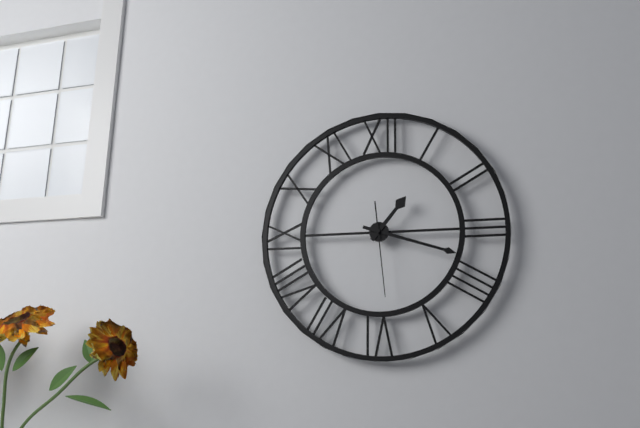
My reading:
1h18m29s
